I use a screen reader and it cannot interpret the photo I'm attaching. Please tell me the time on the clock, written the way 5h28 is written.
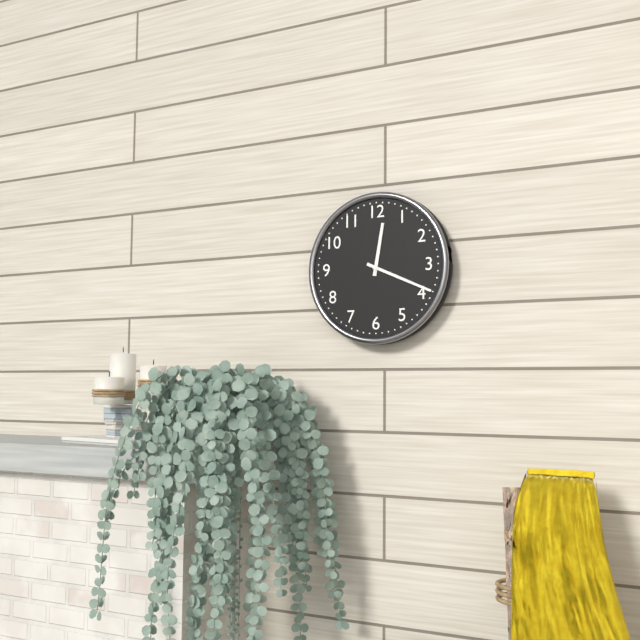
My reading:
12h19
